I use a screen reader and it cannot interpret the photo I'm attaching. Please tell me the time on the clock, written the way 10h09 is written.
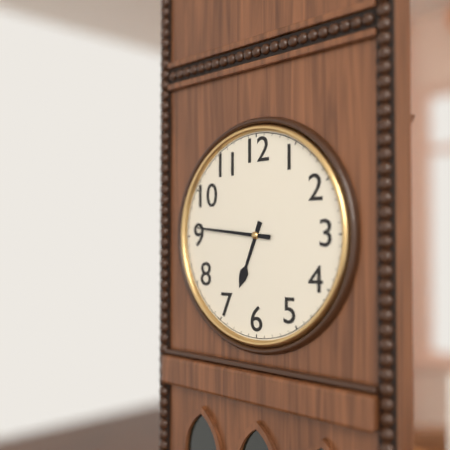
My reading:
6h46
